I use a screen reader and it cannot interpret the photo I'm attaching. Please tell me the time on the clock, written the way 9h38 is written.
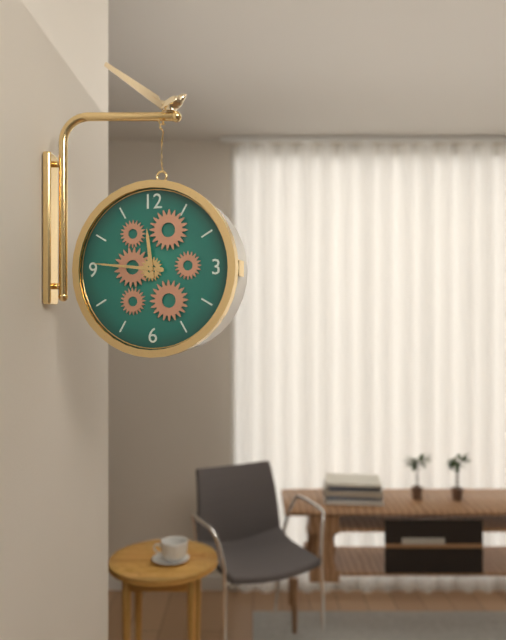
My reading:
11h46
